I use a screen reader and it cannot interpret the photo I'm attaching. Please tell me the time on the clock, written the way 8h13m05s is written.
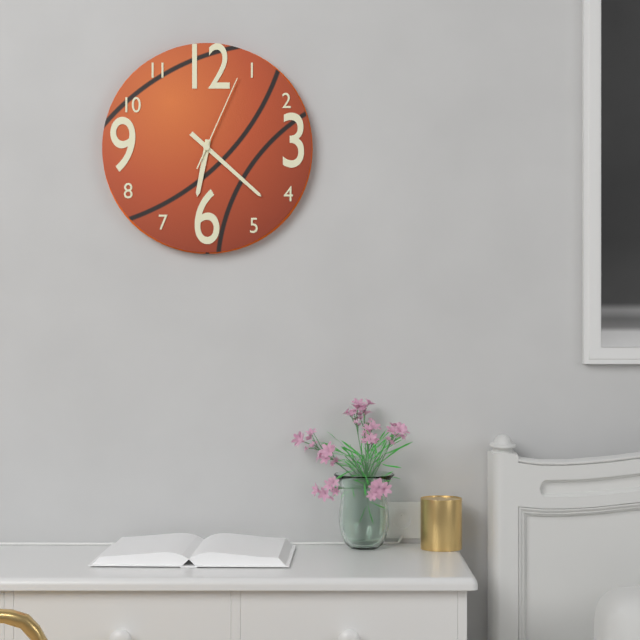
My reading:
6h22m04s
